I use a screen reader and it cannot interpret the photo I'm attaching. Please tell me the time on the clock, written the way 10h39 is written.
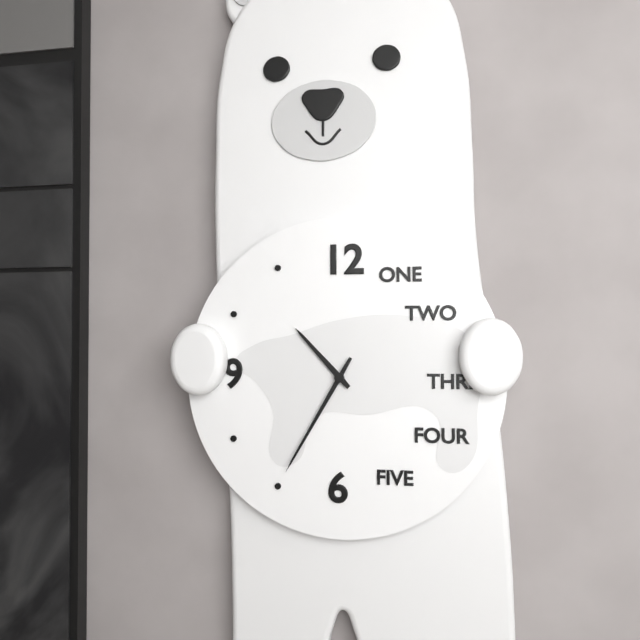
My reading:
10h35
